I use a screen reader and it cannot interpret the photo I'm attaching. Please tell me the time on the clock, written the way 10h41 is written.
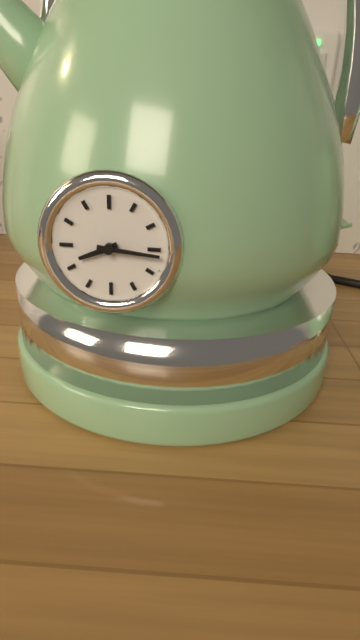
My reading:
8h16
